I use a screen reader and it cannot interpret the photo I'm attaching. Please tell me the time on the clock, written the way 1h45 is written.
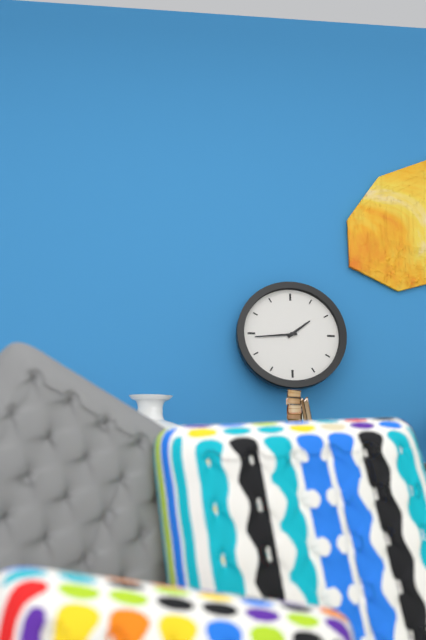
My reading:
1h44
